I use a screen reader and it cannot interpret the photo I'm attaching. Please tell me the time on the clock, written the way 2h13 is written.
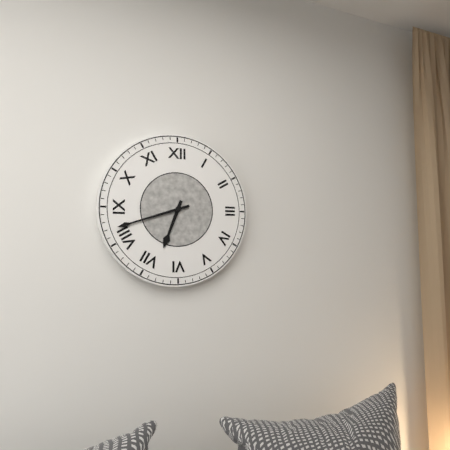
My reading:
6h42
